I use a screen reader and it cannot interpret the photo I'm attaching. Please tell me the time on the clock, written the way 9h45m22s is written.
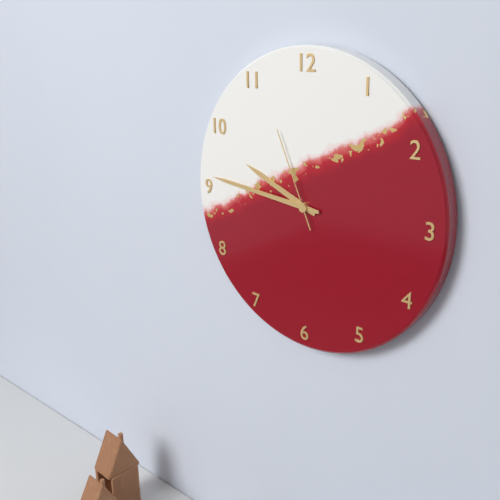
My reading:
9h46m56s
